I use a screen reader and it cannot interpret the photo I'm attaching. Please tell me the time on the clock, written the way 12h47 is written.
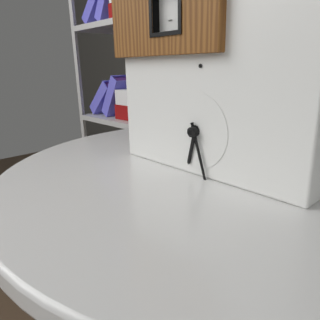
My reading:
6h27
